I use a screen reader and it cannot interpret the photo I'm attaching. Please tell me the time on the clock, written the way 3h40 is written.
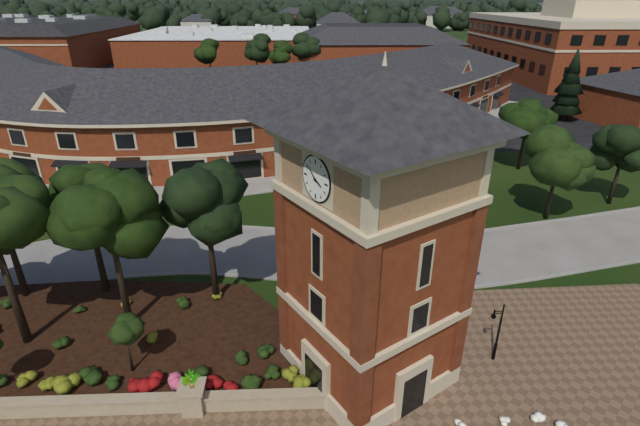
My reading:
3h52
